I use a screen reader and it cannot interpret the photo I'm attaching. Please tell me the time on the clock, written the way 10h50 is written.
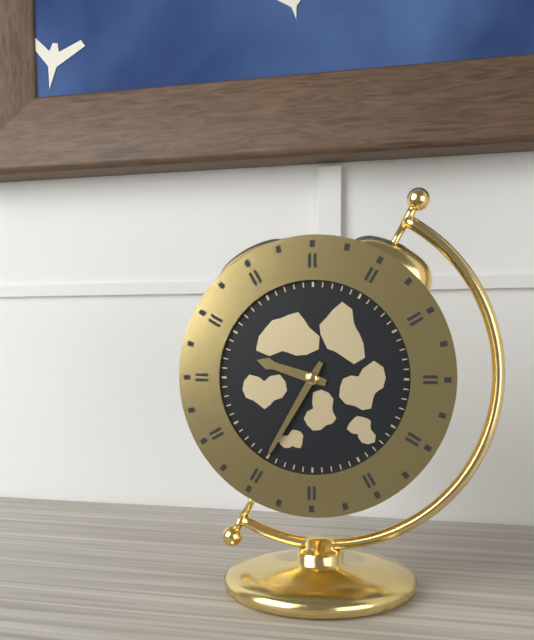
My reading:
9h35
